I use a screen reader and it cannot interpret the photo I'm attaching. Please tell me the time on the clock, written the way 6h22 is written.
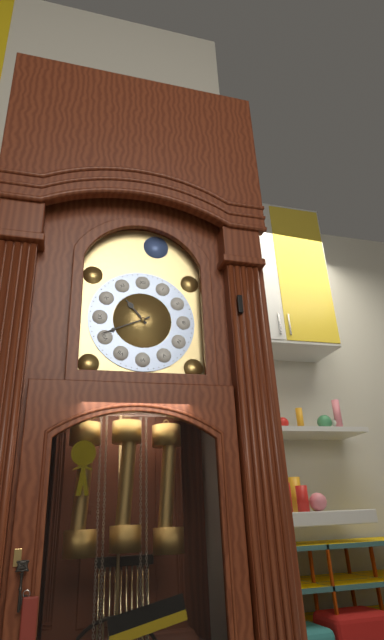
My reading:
10h41
